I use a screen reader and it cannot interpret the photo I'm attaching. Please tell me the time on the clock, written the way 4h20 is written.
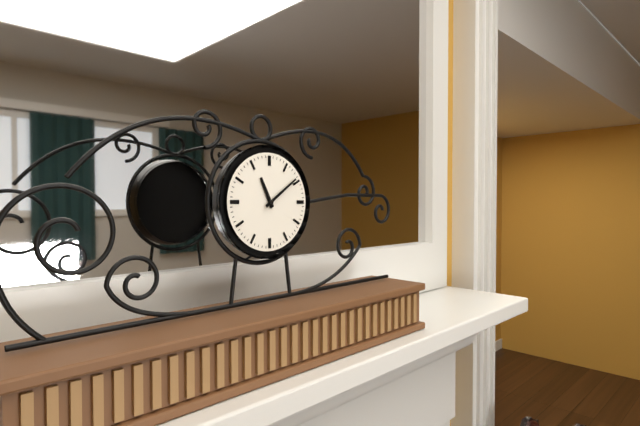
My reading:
11h09
